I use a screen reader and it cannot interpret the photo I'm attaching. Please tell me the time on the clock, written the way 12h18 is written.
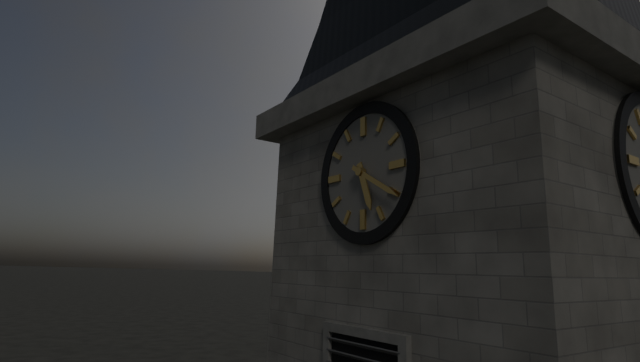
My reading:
5h20
